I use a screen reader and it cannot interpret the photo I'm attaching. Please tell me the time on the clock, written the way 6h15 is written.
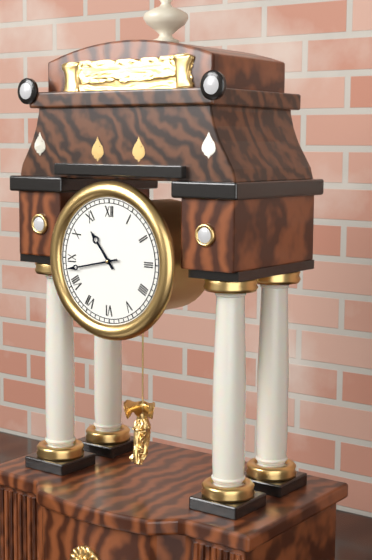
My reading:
10h43
